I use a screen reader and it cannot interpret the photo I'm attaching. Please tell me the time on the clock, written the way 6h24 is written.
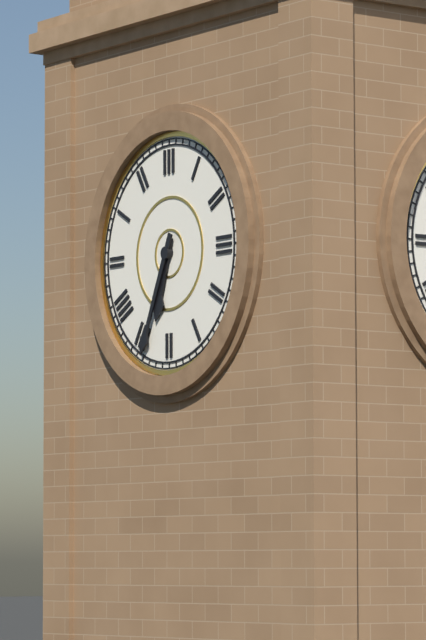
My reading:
6h34
